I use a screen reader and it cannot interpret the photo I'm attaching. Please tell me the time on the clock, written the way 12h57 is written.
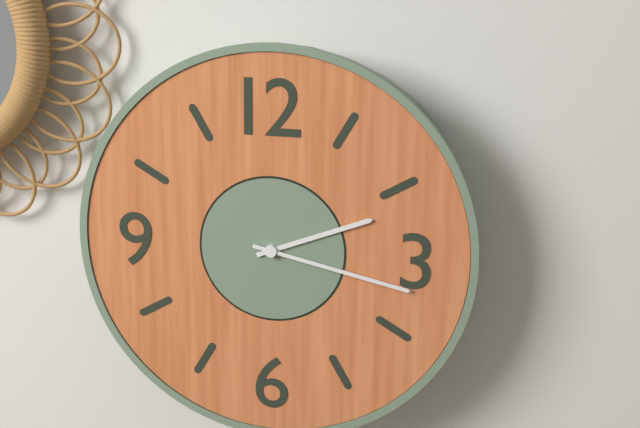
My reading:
2h17
